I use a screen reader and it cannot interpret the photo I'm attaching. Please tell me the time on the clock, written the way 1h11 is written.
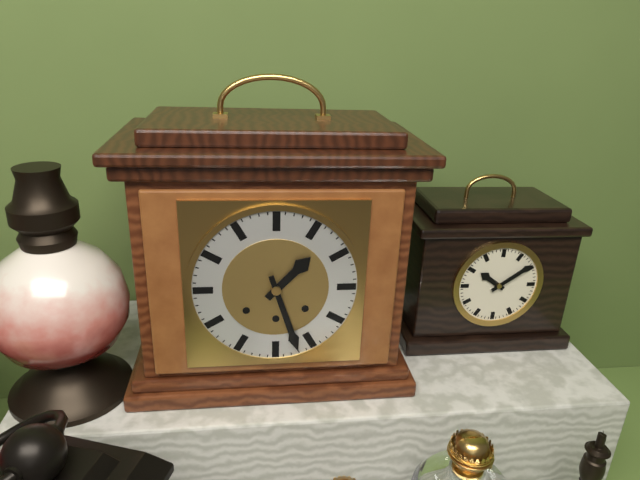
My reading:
1h27
